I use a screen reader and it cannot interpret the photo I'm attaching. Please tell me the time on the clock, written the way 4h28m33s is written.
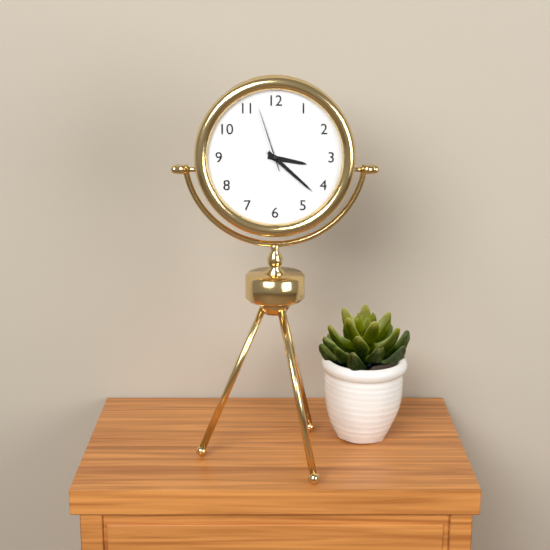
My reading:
3h22m57s
